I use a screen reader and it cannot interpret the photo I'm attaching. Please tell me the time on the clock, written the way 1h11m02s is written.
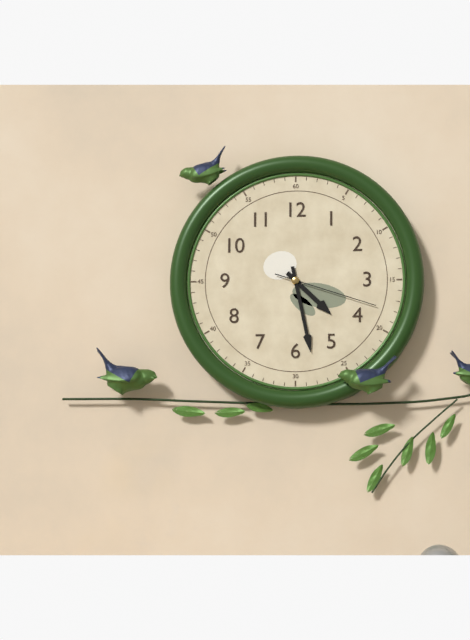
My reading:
4h28m18s
